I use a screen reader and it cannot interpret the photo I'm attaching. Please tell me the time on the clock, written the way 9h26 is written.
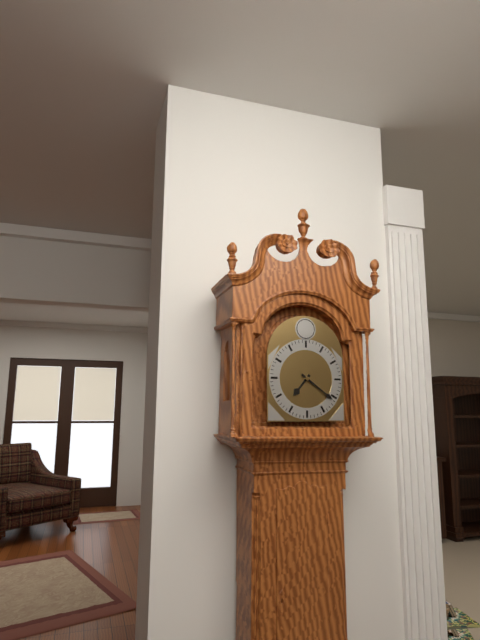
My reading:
7h21
